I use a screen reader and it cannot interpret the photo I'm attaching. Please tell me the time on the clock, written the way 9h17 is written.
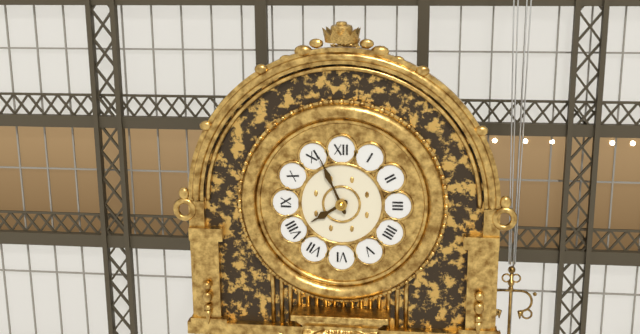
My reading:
7h56
